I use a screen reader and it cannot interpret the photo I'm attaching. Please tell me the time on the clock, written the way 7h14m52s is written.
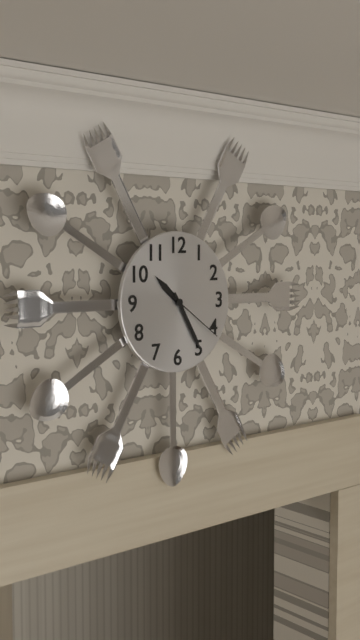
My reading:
10h25m21s
